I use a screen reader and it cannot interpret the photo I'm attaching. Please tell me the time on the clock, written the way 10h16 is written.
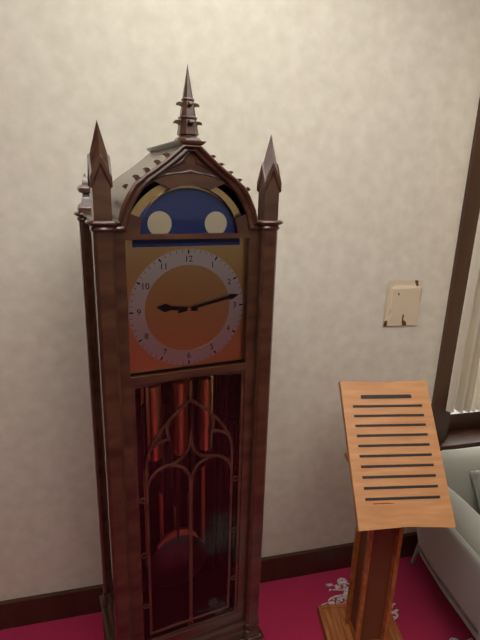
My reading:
9h13
